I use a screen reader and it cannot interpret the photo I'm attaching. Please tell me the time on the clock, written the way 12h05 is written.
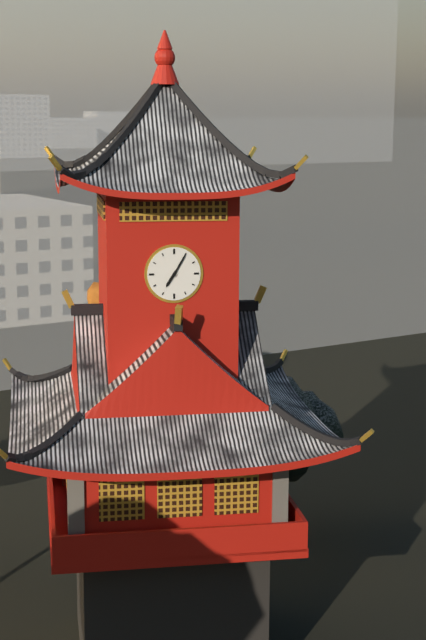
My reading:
7h05
